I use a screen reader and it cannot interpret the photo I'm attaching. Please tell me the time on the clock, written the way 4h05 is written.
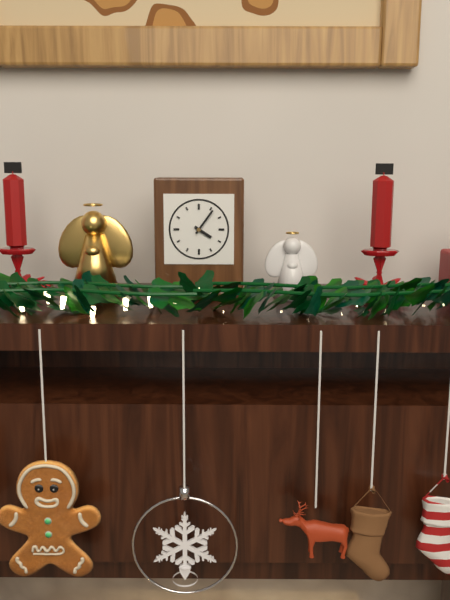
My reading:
4h06
